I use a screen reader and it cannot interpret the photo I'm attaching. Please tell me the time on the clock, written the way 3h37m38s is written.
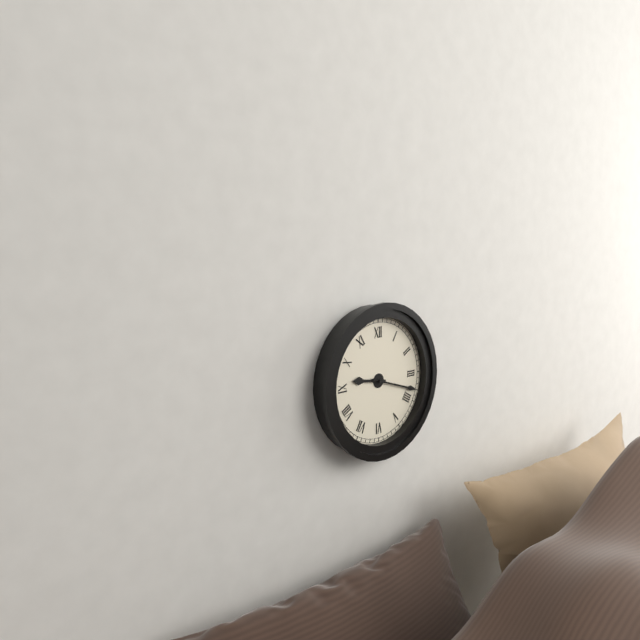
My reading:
9h18m18s
